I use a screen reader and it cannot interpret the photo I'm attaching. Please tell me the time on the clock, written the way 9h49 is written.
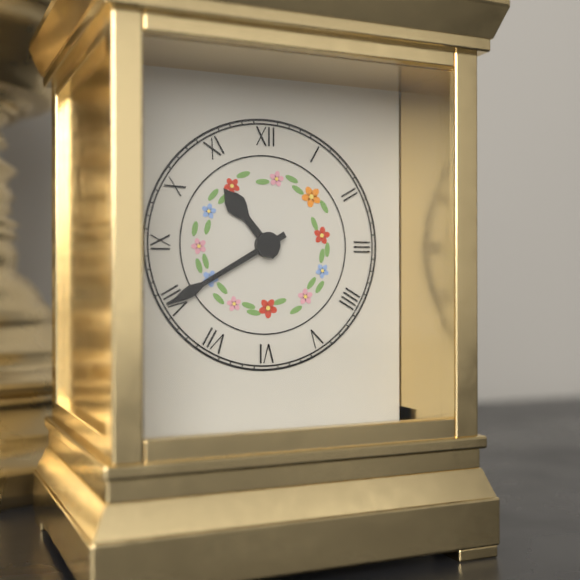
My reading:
10h40
